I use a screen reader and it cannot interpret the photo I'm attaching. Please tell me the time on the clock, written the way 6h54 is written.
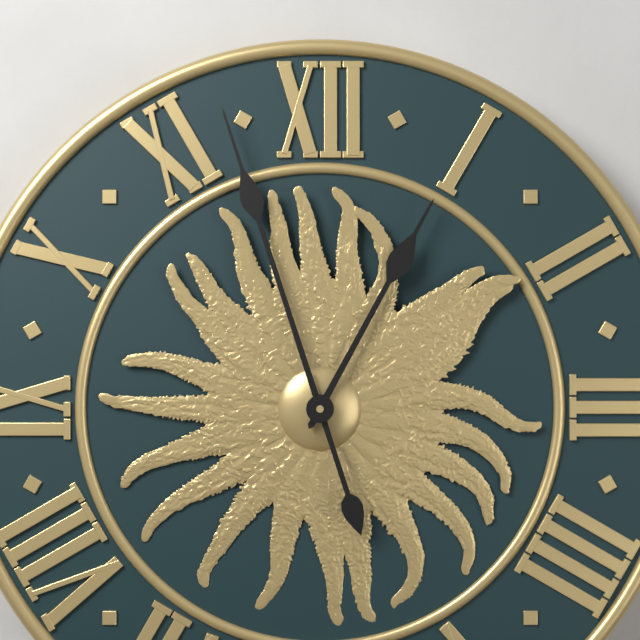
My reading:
12h57
